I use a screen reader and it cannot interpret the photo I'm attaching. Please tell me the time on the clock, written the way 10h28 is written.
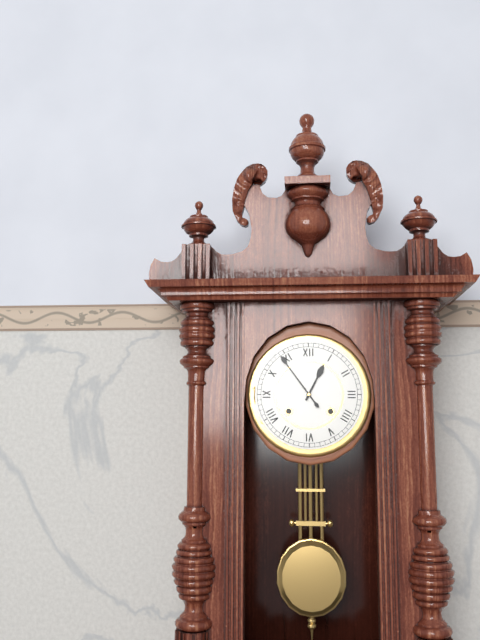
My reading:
12h54
